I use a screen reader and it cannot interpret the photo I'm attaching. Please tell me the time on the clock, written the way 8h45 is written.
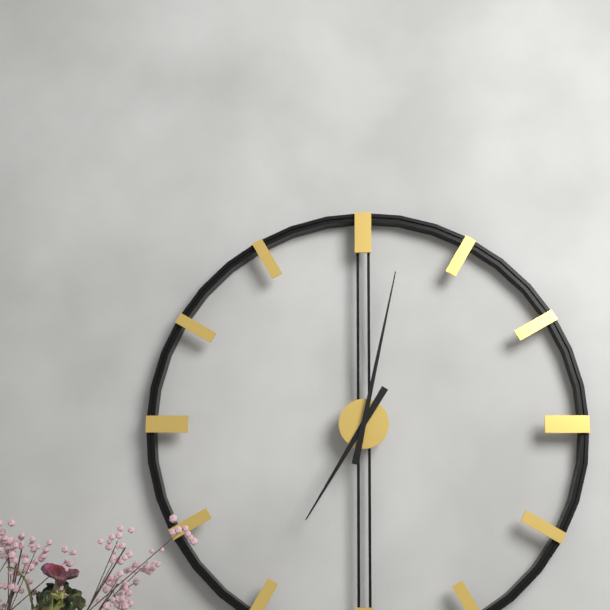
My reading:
7h02
